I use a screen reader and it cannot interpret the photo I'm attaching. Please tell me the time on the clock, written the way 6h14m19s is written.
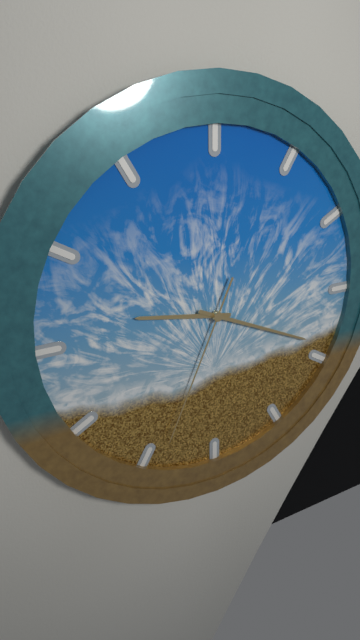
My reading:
9h19m34s
